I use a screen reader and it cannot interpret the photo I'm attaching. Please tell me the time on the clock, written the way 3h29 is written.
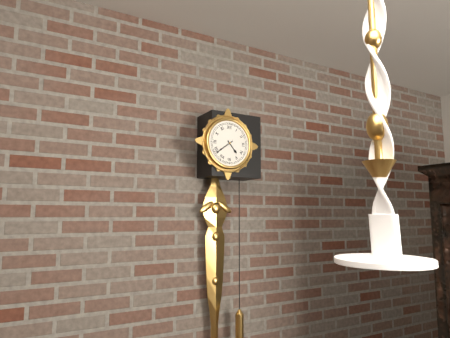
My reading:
4h39
